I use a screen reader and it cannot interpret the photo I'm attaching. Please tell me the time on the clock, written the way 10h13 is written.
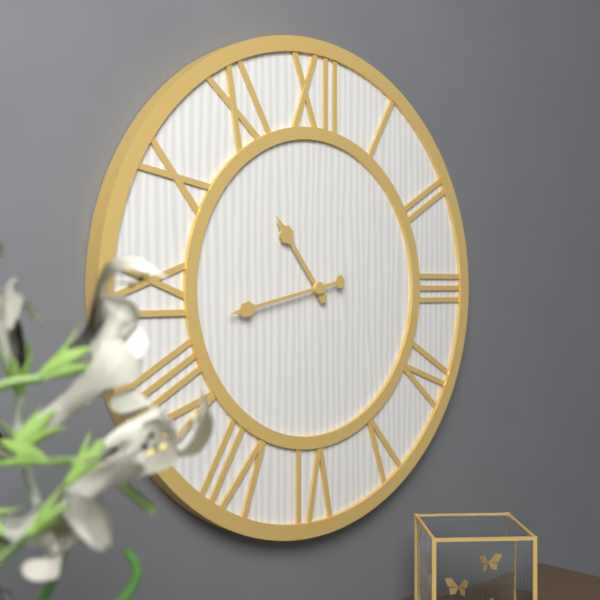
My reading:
10h43
